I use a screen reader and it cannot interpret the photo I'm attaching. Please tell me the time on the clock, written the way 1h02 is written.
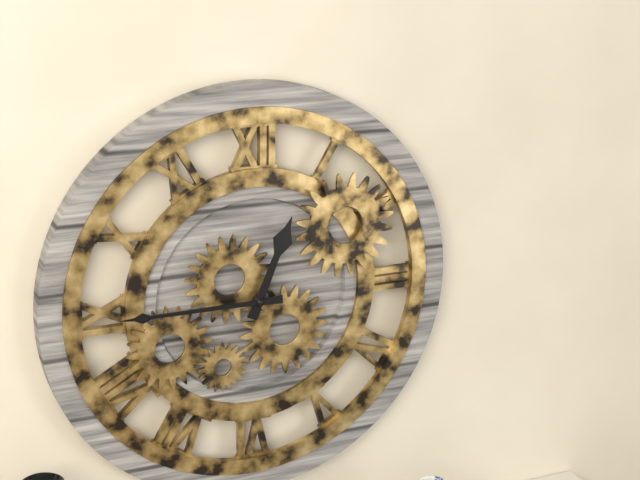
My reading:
12h45
